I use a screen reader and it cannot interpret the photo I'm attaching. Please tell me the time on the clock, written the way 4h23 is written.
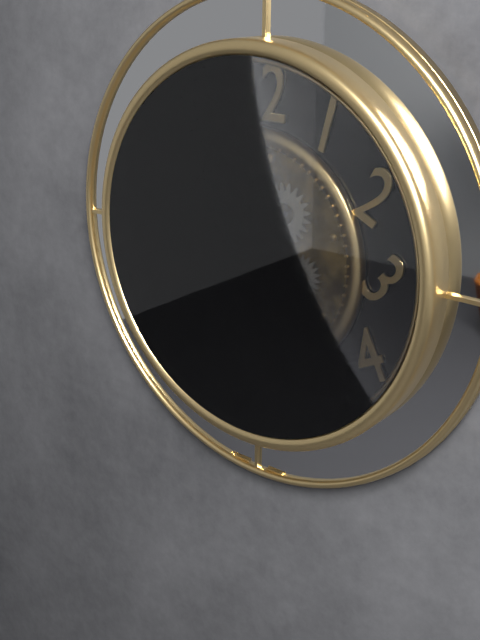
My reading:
5h30
